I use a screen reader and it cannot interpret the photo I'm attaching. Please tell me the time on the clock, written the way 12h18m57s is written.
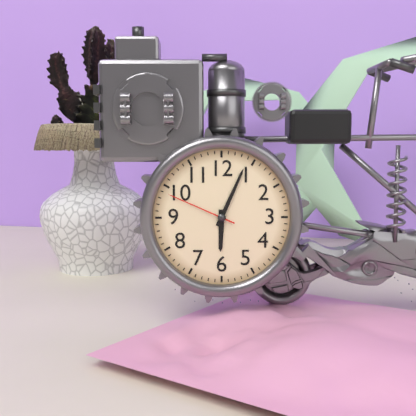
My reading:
6h04m49s
